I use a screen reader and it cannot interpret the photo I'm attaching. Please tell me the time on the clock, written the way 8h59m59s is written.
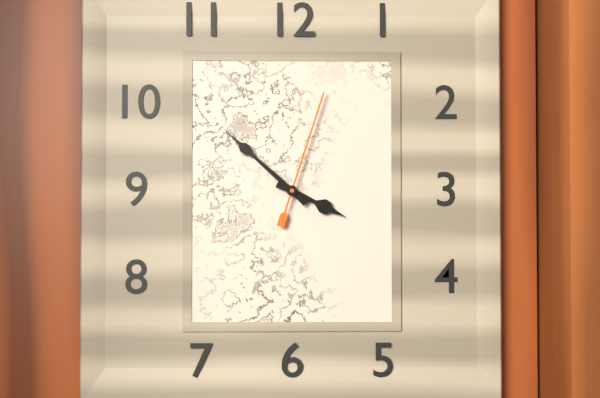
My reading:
3h52m03s
